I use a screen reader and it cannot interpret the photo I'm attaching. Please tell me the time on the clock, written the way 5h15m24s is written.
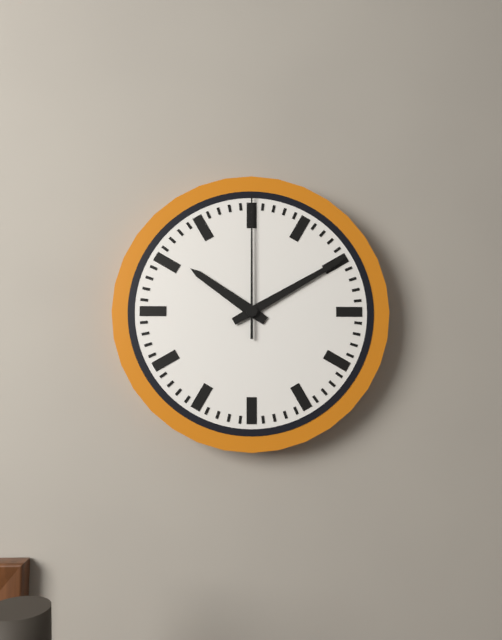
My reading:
10h10m00s
